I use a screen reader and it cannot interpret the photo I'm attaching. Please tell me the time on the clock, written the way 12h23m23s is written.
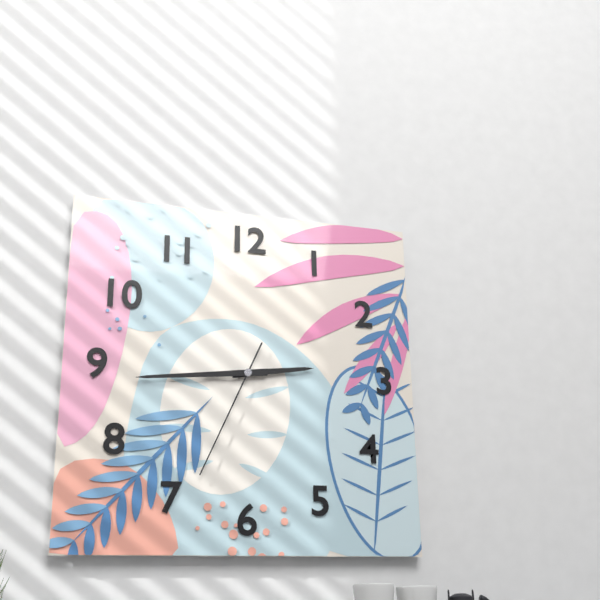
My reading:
2h44m34s
